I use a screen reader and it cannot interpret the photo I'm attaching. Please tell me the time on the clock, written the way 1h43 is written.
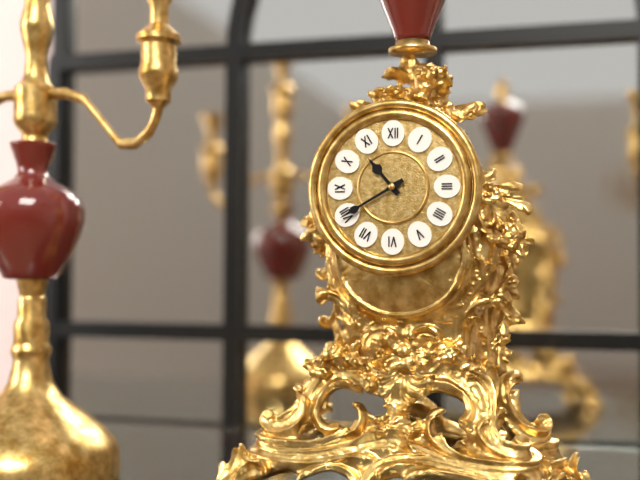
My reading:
10h40
